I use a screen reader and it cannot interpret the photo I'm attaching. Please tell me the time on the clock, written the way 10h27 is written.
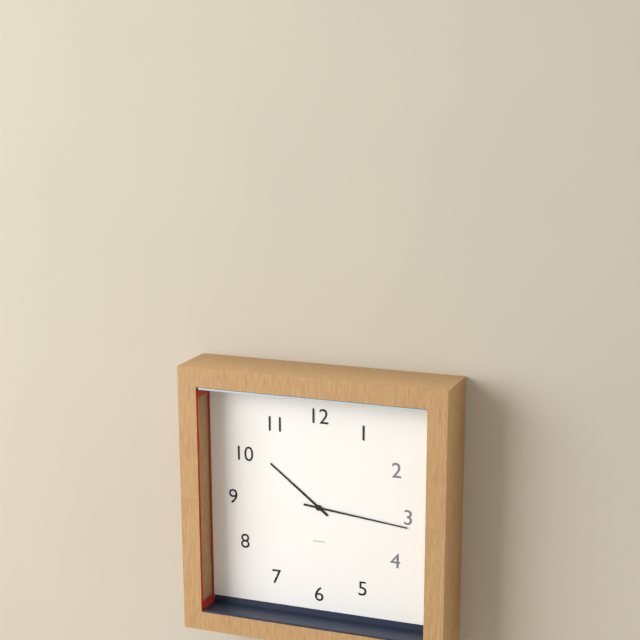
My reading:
10h16
